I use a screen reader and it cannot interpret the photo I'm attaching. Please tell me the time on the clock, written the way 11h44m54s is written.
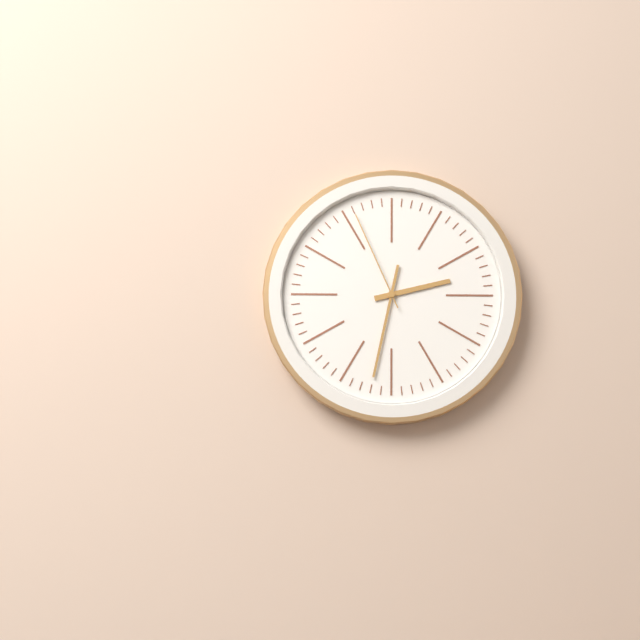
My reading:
2h32m56s
